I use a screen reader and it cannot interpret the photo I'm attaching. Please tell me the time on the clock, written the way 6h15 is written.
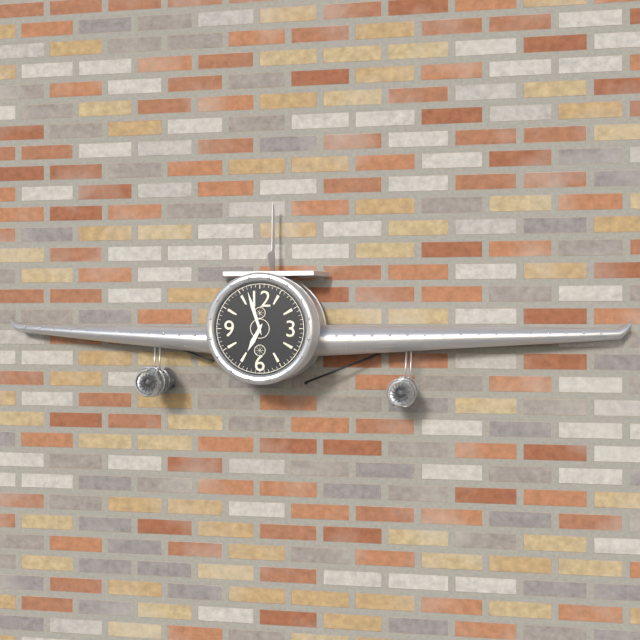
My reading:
6h57
